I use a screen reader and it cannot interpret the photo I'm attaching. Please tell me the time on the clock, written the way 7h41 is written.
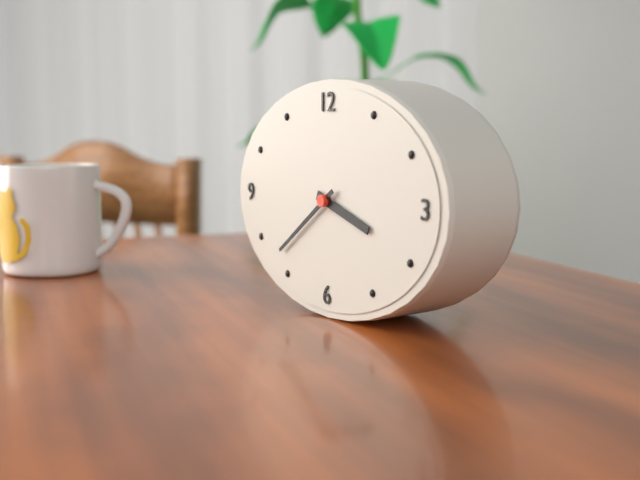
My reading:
3h39
